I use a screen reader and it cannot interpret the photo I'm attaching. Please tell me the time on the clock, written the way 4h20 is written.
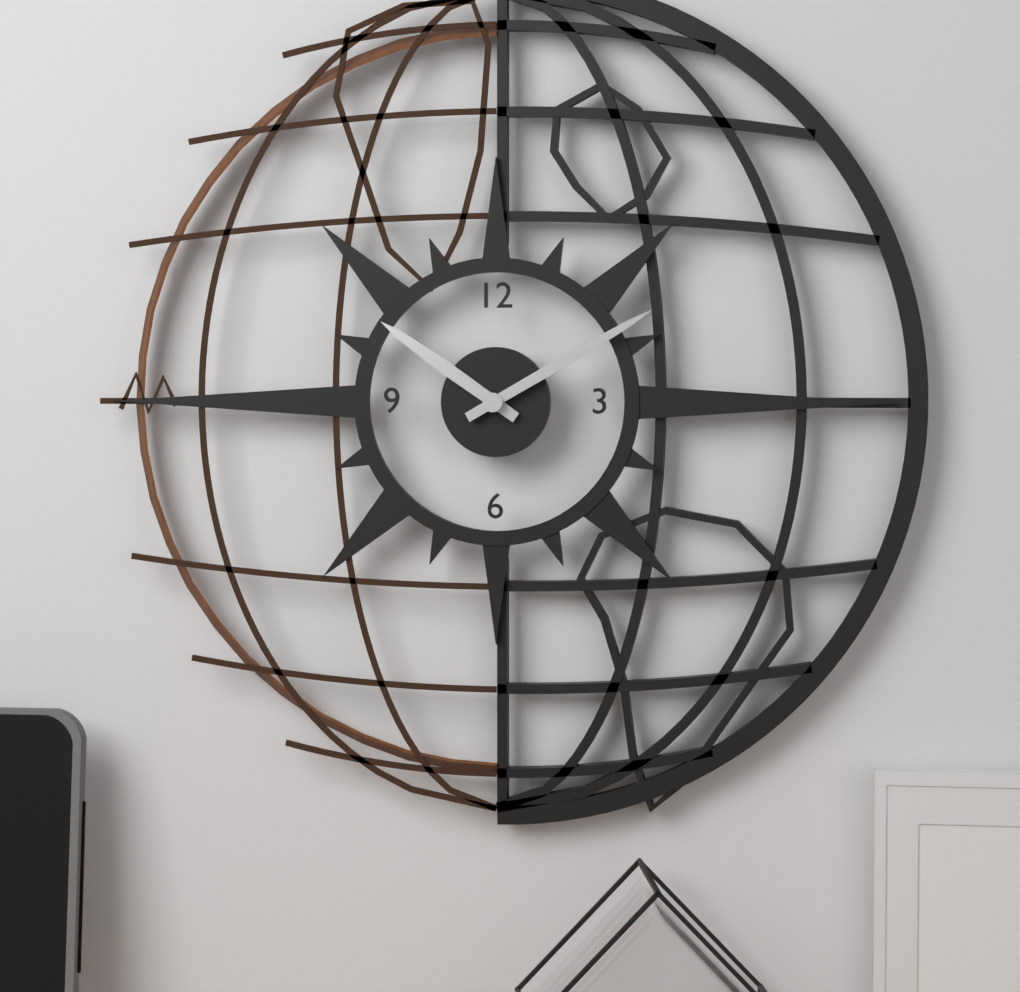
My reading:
10h10
